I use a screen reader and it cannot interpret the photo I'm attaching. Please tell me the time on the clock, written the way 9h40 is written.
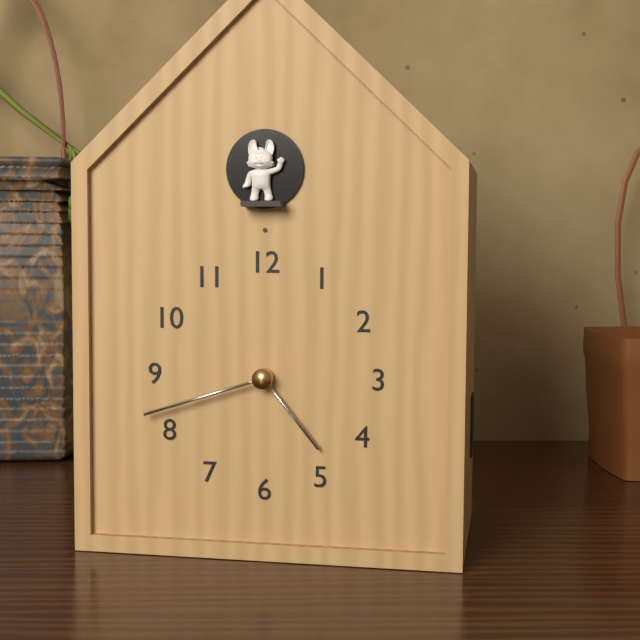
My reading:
4h42
